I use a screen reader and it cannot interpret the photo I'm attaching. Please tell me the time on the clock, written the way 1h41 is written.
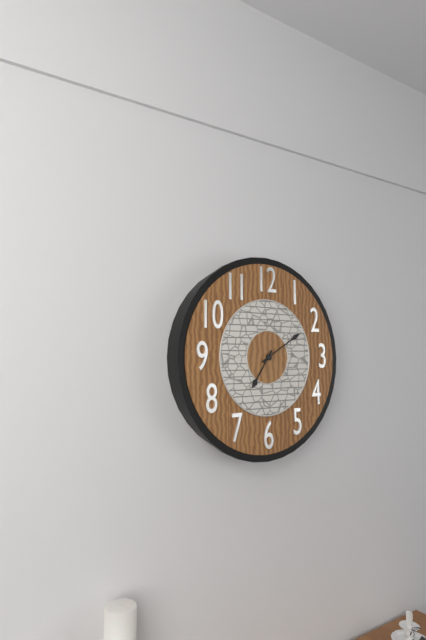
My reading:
7h10
